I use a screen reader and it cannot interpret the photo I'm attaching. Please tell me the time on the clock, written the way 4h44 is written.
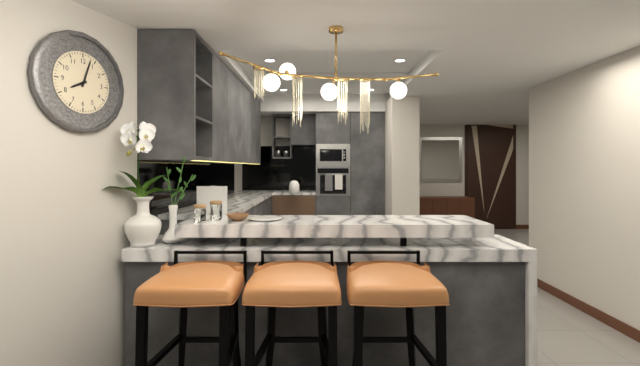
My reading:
8h03
